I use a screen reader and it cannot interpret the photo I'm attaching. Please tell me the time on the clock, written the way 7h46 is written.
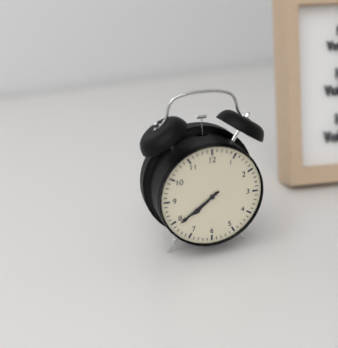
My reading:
7h39
